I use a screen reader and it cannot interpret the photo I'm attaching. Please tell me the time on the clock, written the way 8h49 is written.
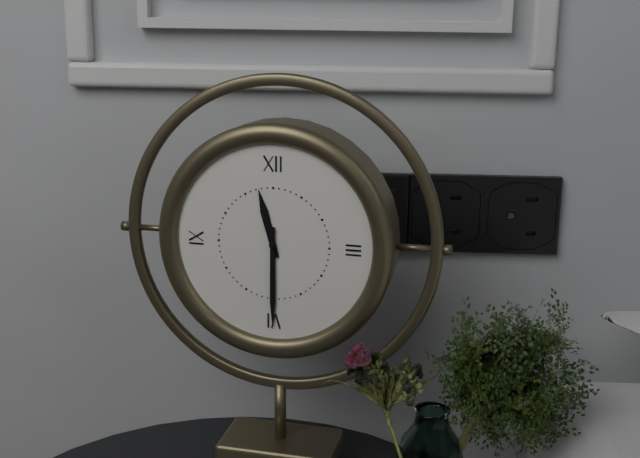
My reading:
11h30
